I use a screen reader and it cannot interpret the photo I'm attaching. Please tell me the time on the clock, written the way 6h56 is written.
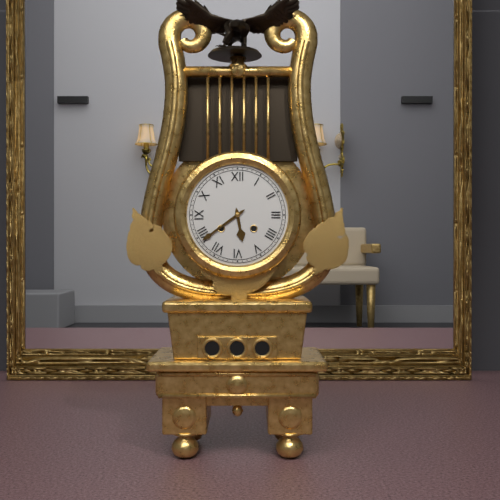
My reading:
5h39
